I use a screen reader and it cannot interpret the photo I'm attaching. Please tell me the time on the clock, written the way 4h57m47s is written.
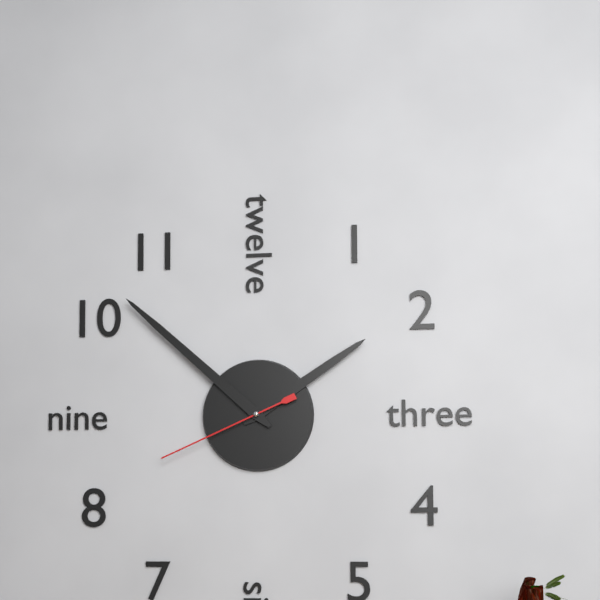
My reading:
1h52m41s
